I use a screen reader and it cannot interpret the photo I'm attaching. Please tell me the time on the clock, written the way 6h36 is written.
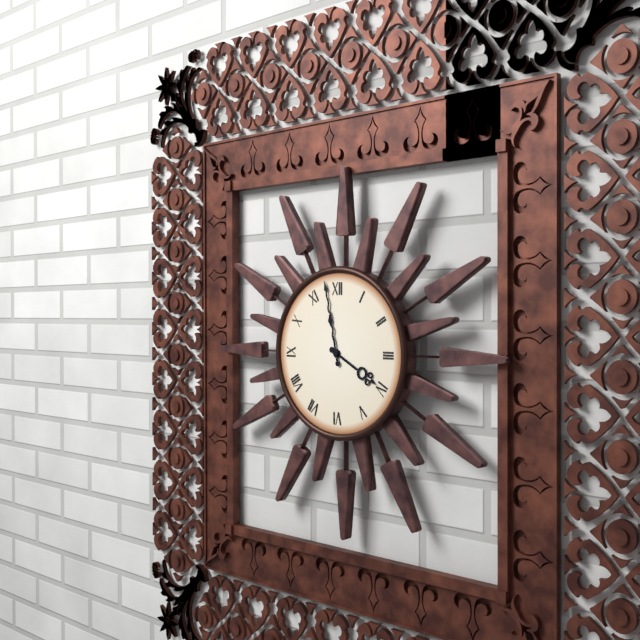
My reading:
3h58
